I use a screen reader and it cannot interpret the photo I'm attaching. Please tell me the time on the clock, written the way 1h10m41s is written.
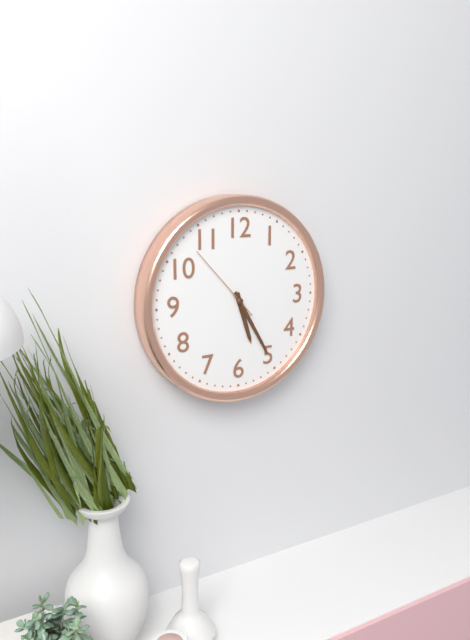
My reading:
5h25m53s
